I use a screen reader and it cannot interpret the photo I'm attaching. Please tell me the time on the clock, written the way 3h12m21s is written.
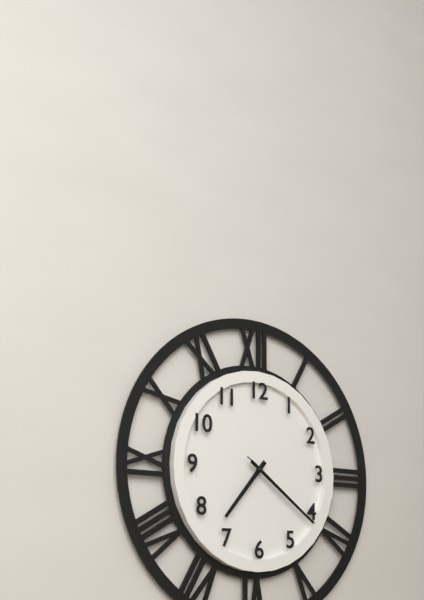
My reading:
7h21m21s
